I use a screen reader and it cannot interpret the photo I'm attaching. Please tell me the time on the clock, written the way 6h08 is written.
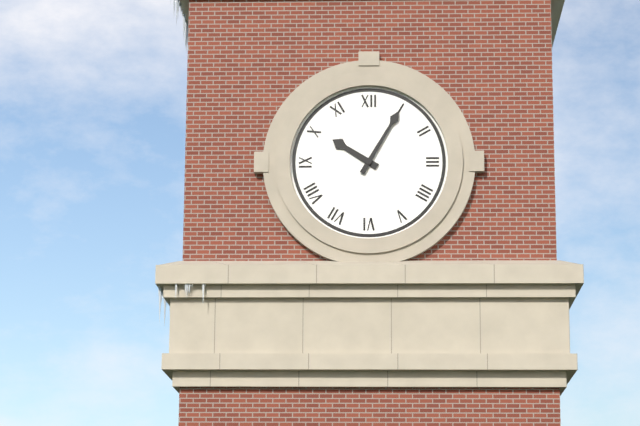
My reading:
10h05
